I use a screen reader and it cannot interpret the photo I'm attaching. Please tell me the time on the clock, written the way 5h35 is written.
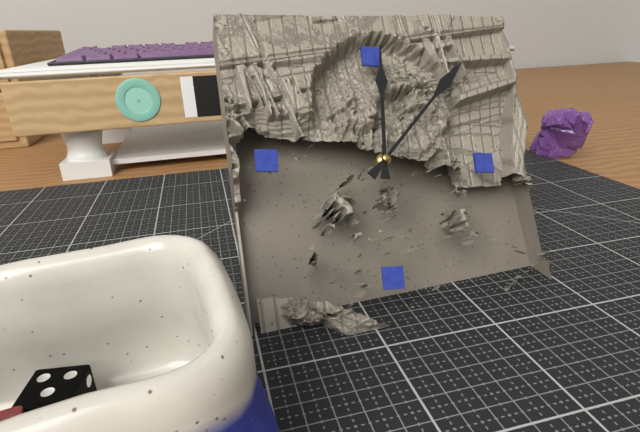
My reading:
12h07
